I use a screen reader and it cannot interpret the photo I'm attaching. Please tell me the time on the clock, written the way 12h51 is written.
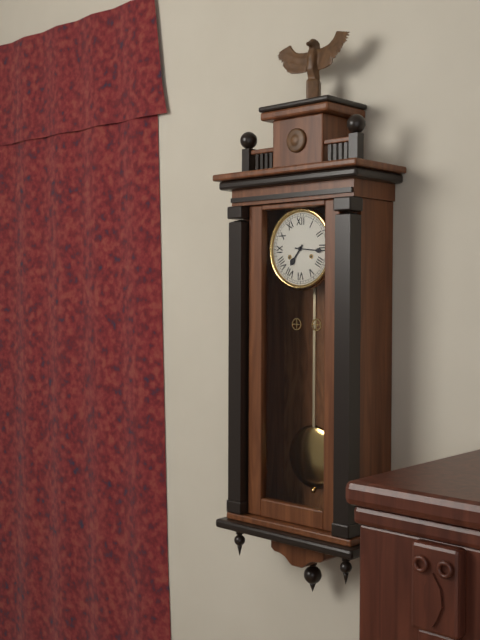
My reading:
7h16
